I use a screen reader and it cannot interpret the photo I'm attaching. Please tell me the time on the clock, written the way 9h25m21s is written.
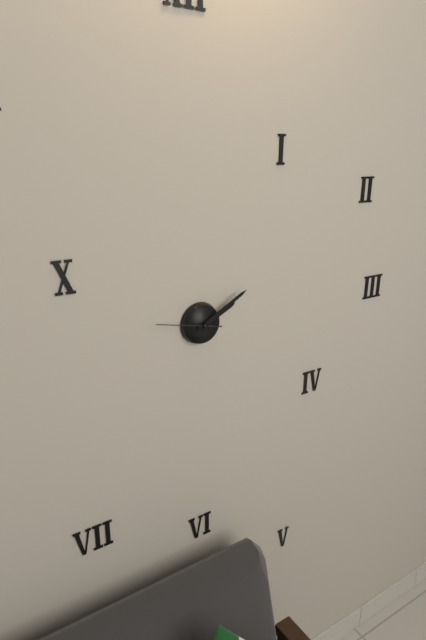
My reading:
2h10m47s
